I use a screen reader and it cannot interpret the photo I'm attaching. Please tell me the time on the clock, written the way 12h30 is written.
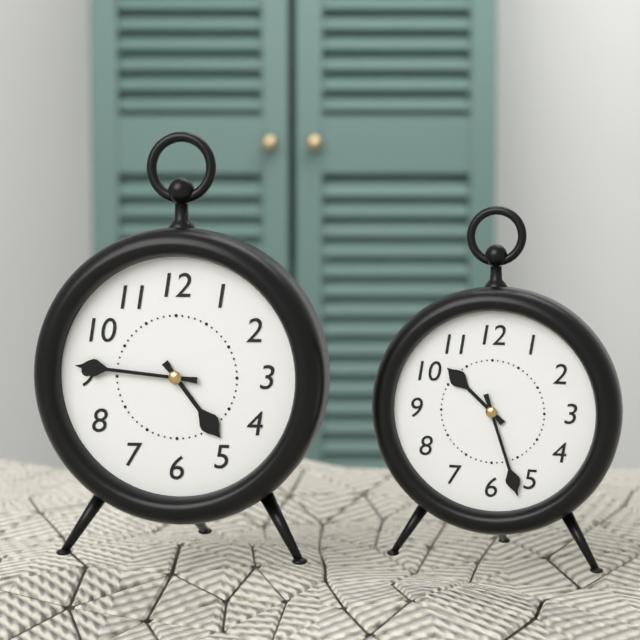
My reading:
4h46
